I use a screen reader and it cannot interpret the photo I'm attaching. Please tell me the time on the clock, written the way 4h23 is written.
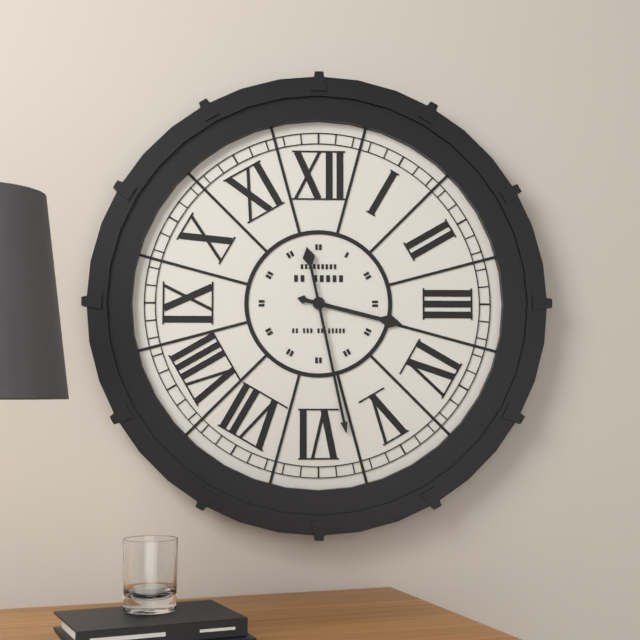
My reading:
3h28
